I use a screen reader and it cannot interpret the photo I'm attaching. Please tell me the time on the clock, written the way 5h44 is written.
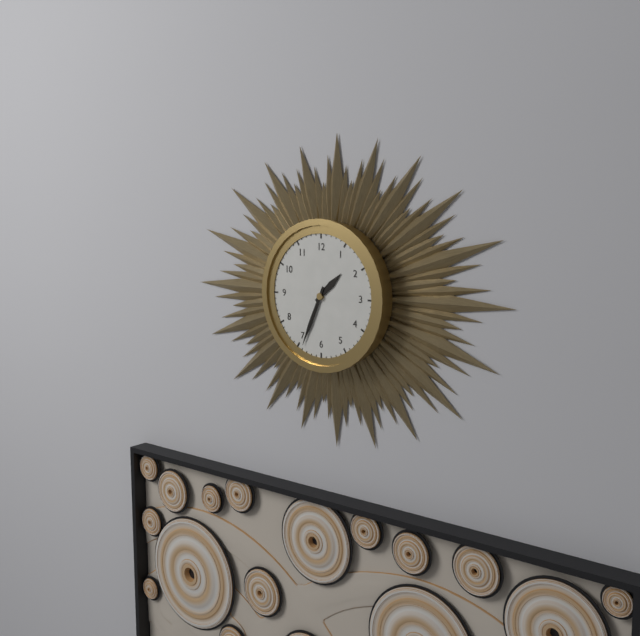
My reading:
1h34
